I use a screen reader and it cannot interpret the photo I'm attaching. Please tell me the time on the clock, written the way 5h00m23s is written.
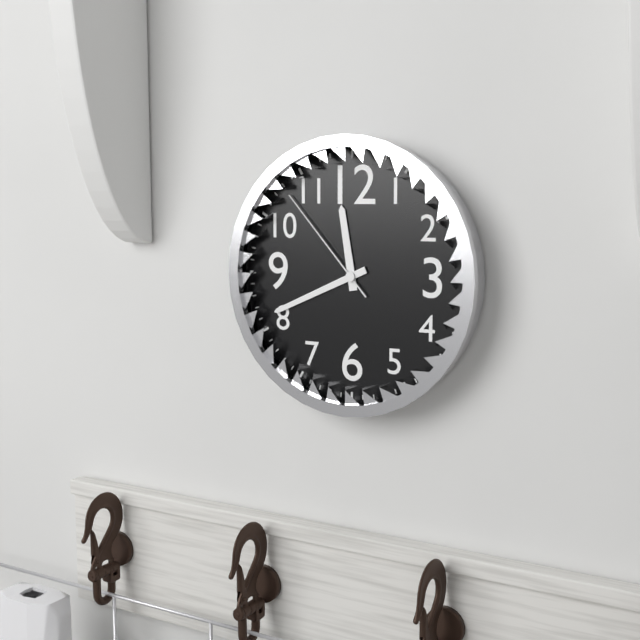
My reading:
11h41m53s
